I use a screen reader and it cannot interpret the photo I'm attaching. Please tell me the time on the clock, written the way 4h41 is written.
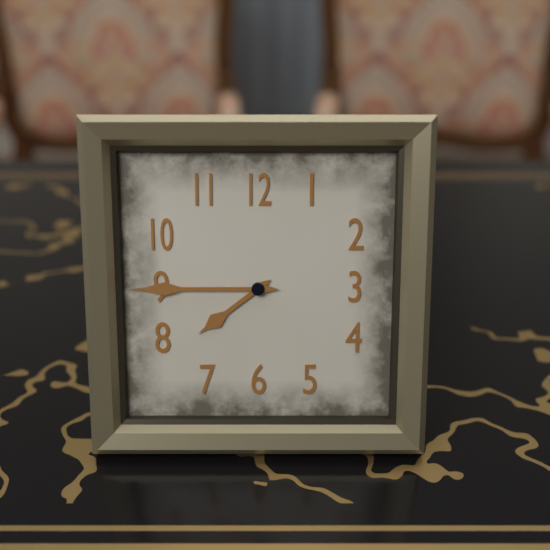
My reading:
7h45
